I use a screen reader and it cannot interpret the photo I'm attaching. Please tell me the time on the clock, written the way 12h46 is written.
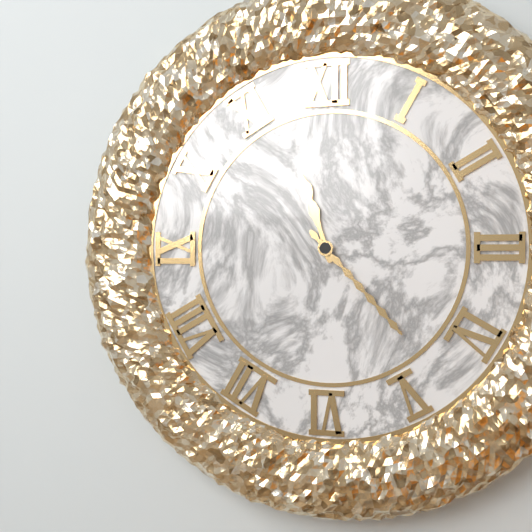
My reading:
11h23
